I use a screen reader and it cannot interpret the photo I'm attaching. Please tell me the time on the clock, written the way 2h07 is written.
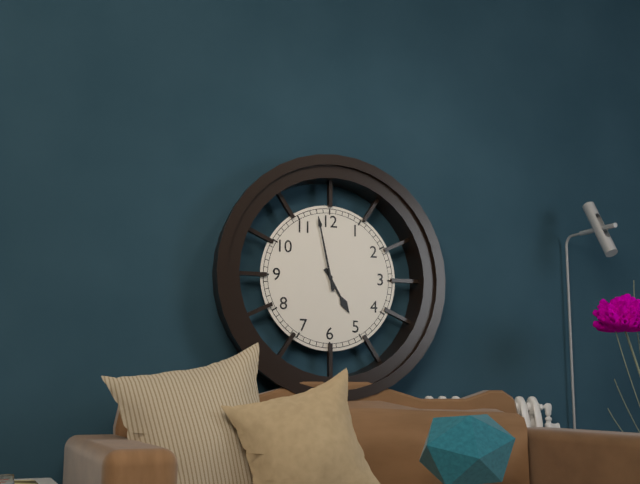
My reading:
4h58
